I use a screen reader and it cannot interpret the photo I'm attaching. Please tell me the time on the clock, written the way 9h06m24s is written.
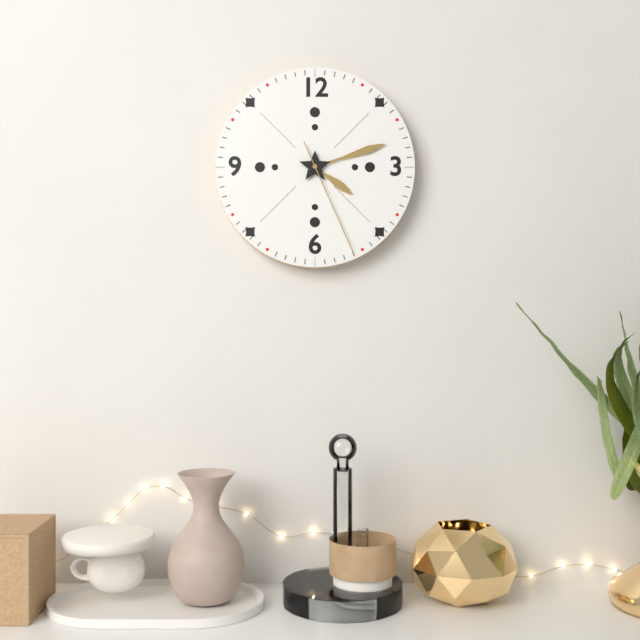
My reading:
4h12m26s
